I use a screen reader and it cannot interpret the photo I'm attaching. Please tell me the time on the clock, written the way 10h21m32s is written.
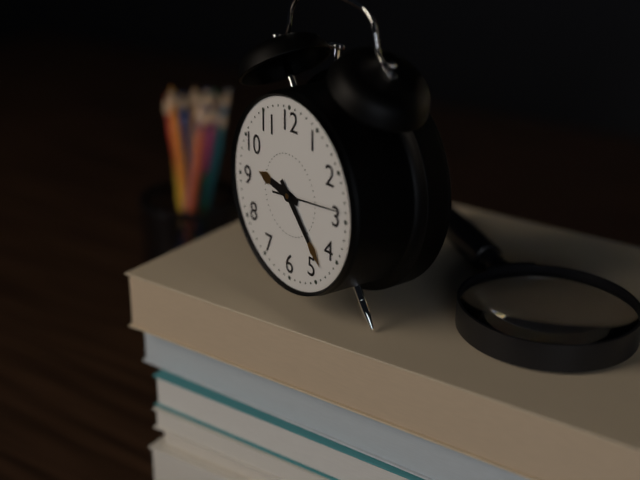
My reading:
9h23m14s
